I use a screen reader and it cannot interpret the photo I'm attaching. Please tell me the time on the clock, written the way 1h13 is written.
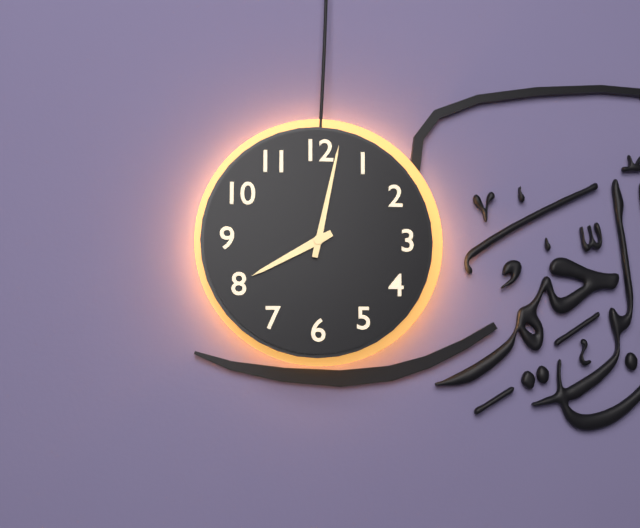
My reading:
8h02
